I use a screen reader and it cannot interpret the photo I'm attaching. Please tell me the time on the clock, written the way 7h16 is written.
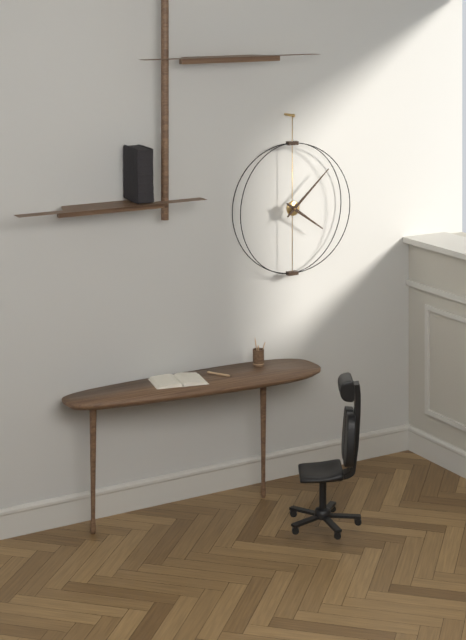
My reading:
4h08
